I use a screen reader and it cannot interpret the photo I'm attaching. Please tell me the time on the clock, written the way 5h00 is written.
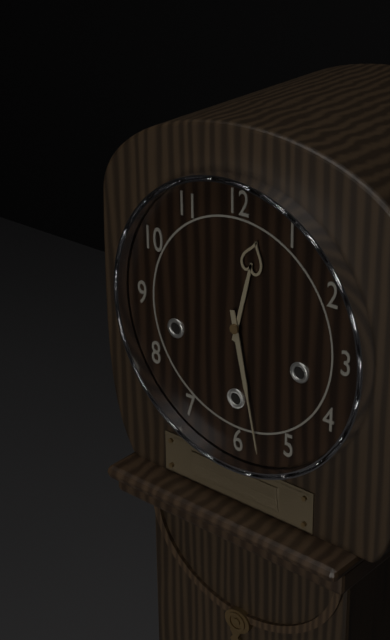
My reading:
12h28
